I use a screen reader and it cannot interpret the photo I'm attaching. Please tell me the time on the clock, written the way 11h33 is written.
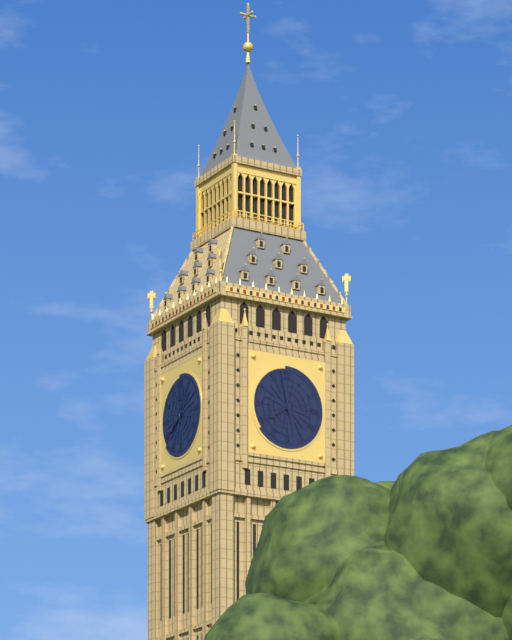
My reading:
7h58
